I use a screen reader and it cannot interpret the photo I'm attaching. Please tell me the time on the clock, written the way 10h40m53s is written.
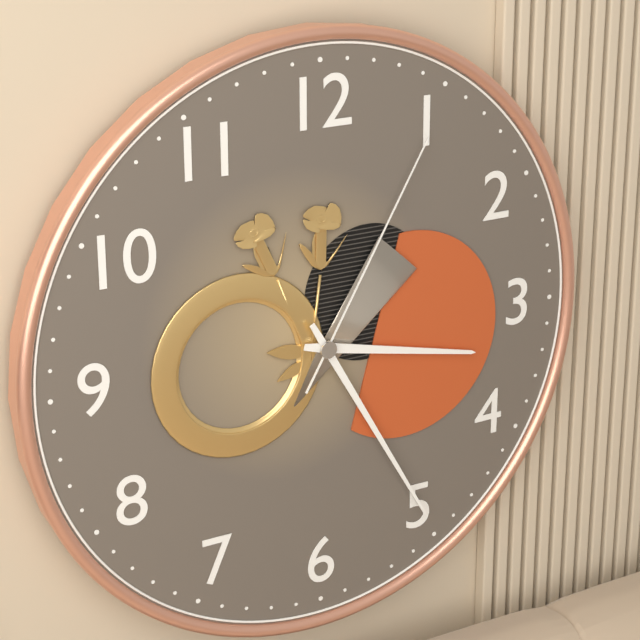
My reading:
3h25m05s
